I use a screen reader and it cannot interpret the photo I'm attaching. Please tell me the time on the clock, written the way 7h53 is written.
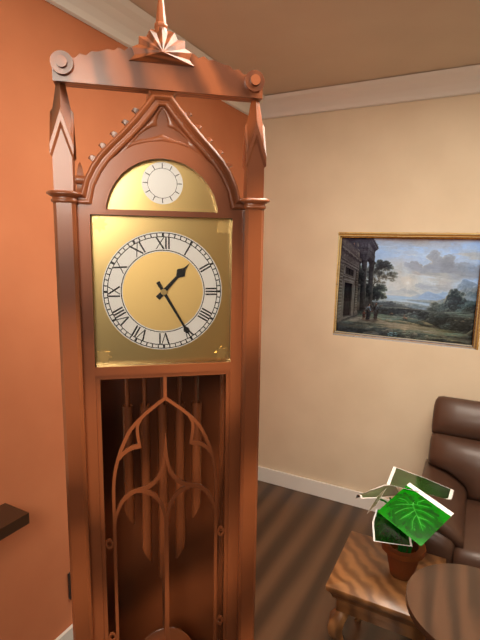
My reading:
1h25
